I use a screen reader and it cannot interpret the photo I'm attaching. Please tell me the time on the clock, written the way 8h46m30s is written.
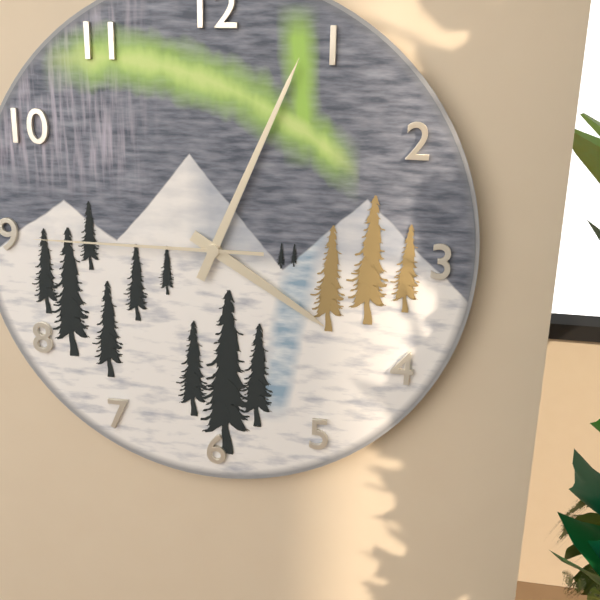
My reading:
4h04m45s
